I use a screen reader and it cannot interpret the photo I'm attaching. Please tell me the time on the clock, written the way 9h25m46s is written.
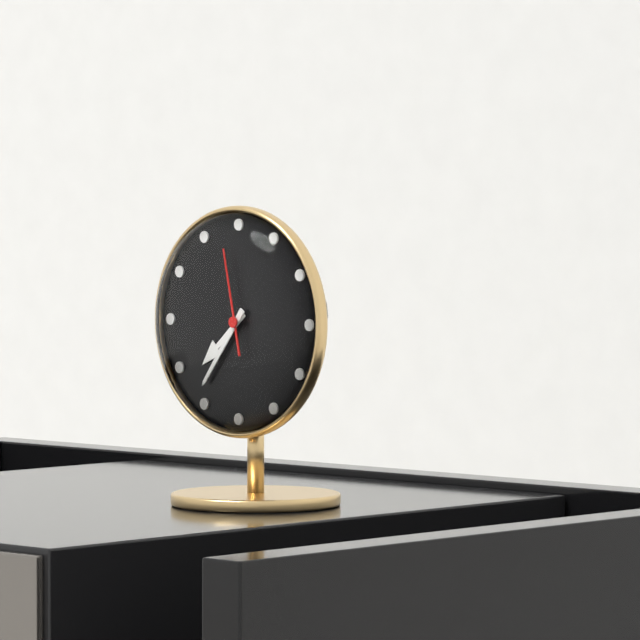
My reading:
7h36m58s
